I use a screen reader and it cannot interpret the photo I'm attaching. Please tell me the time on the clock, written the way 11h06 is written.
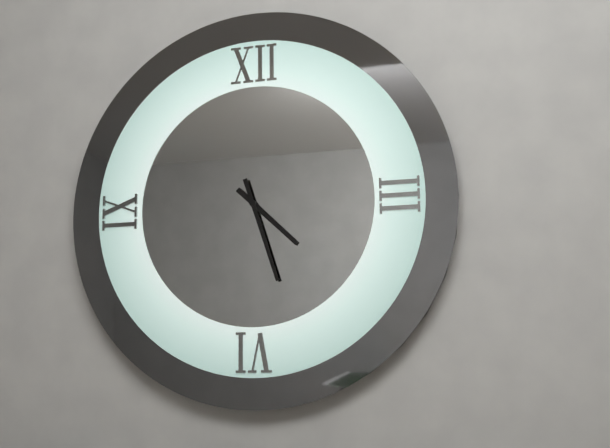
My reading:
4h27
